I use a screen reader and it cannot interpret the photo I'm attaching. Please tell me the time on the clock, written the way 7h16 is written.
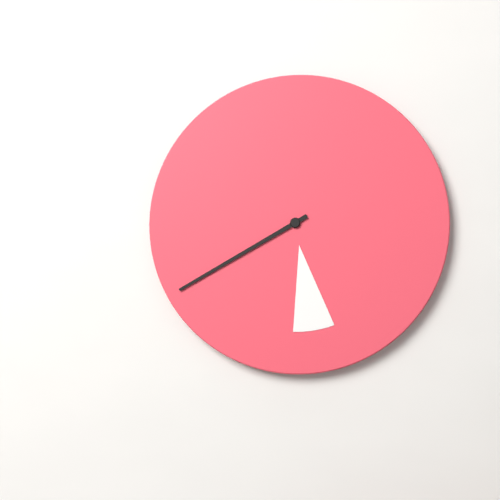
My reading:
5h40
